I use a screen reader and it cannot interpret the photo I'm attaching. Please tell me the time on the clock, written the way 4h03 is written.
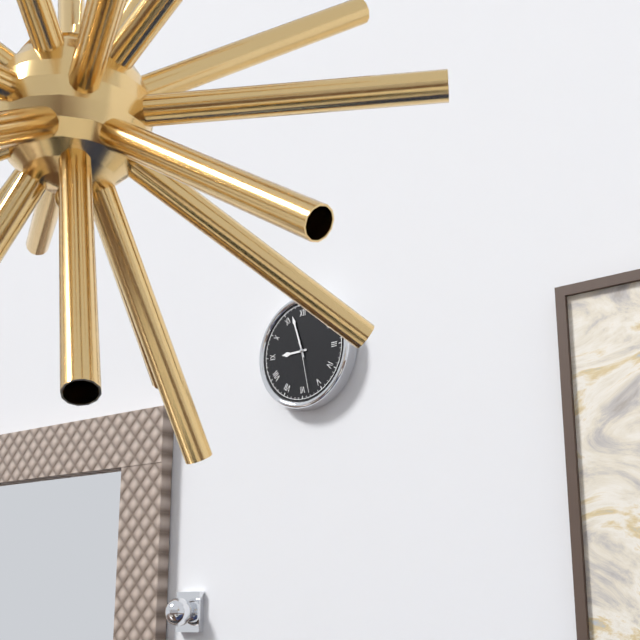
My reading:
8h57
